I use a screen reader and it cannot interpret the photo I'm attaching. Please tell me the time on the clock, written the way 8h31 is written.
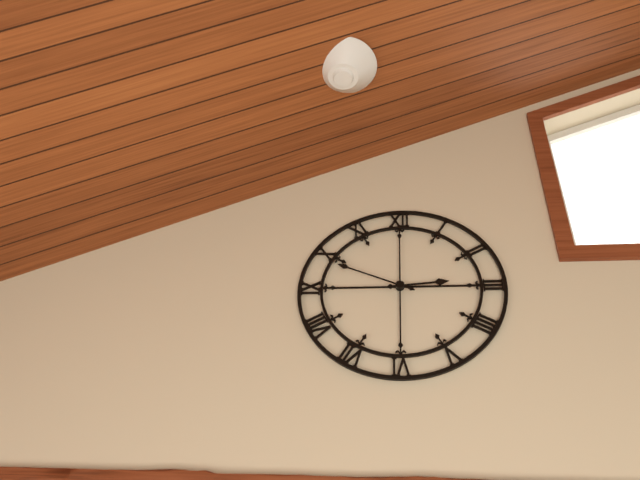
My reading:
2h49
